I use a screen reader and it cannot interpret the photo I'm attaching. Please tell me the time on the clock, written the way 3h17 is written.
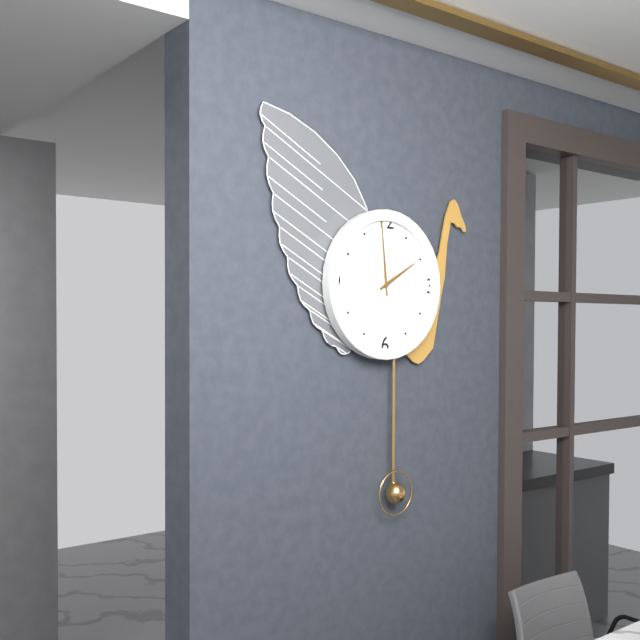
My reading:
1h59
